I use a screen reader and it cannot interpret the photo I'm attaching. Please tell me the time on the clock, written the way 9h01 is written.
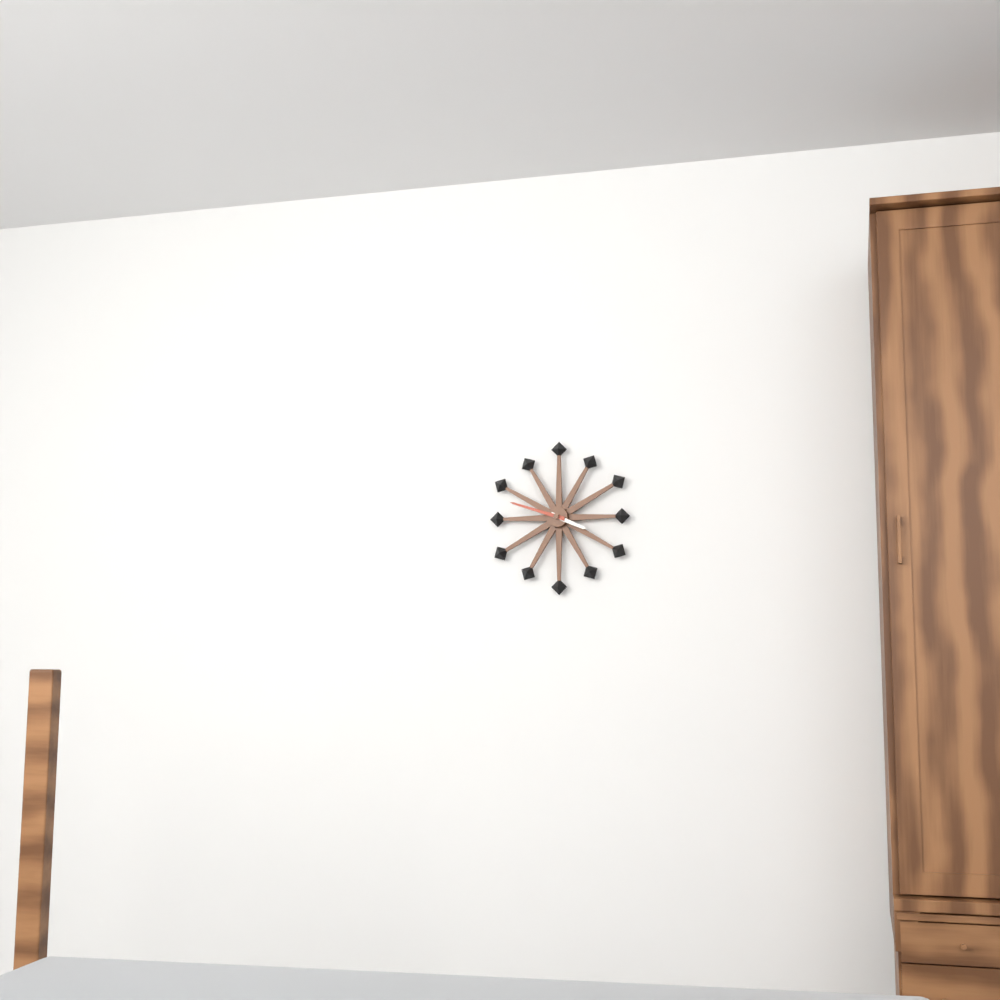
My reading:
3h48
